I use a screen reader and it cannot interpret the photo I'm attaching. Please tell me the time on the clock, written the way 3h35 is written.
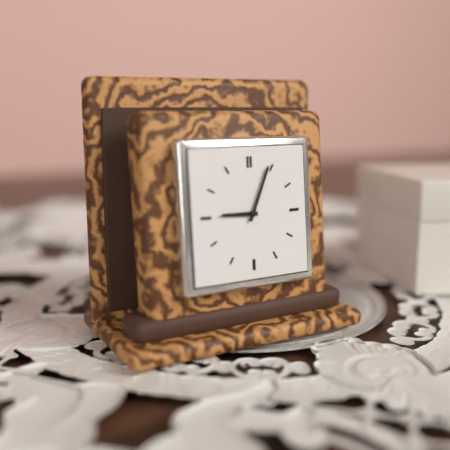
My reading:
9h04
